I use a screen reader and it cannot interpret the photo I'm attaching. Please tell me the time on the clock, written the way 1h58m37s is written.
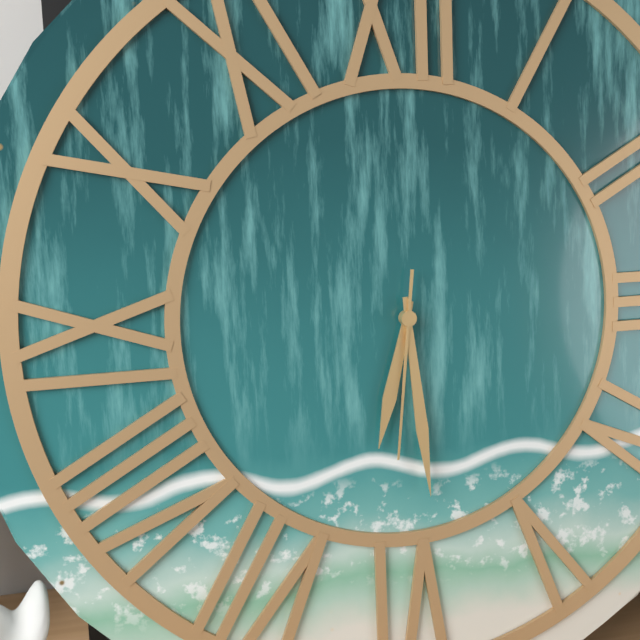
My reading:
6h29m31s
